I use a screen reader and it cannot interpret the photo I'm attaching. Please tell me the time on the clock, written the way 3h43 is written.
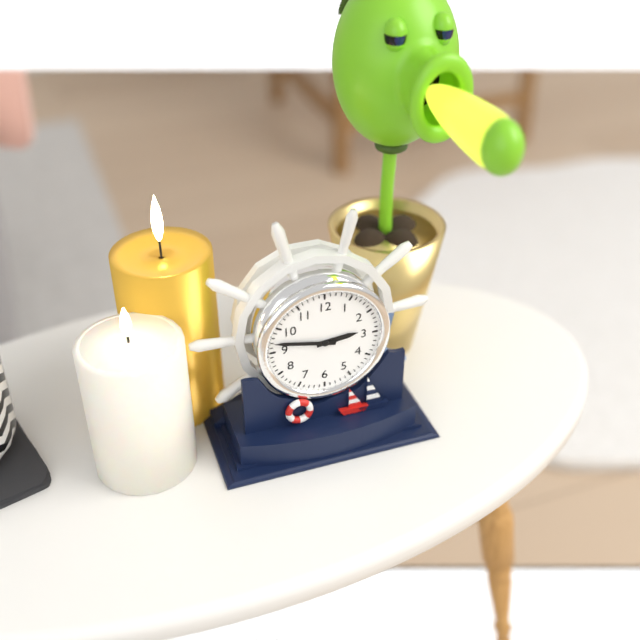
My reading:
2h47
